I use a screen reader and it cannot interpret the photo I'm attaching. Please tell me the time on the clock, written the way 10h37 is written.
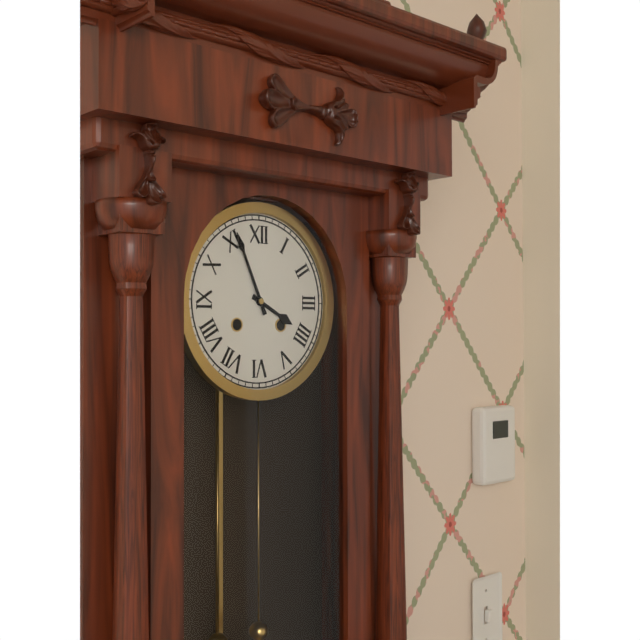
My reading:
3h56
